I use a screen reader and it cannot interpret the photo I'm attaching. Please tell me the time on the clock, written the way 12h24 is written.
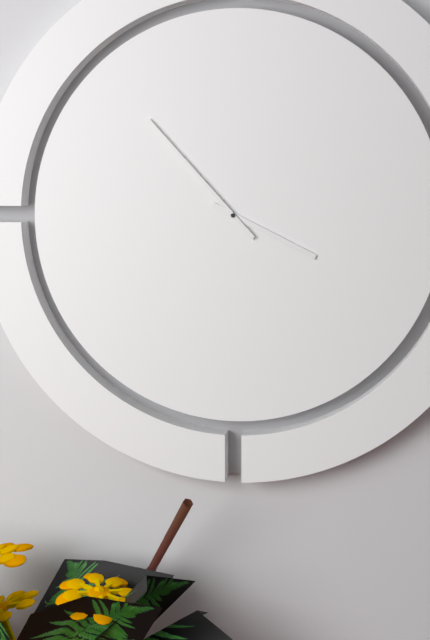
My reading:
3h53
